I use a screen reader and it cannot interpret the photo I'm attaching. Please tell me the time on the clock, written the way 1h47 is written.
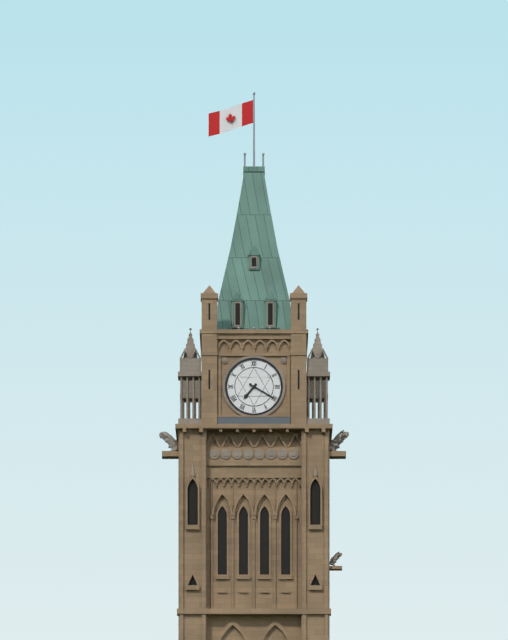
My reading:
7h20
